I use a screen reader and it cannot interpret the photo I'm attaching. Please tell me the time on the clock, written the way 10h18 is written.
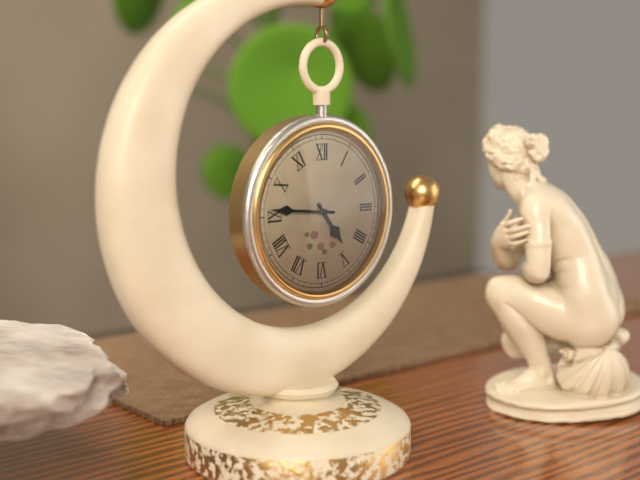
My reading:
4h46
